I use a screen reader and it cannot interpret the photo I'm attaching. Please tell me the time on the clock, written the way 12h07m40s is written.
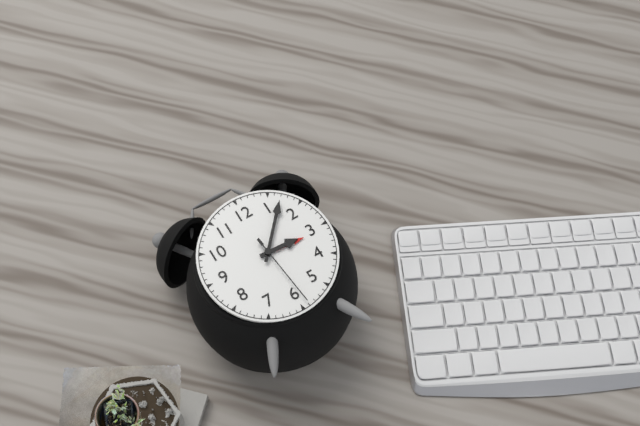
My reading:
3h07m29s
